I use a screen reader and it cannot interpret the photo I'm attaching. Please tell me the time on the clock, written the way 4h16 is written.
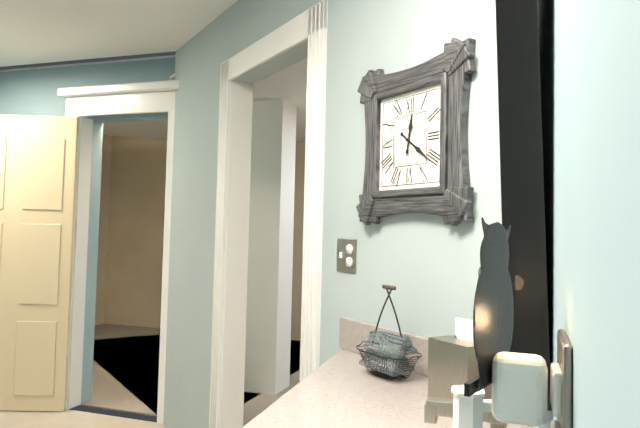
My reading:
12h21
